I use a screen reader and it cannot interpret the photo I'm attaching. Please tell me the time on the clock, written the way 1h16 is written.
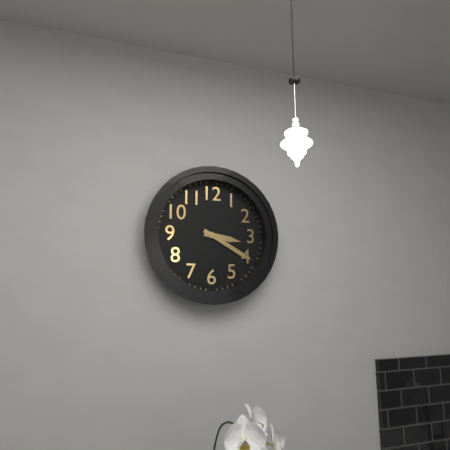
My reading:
3h20
